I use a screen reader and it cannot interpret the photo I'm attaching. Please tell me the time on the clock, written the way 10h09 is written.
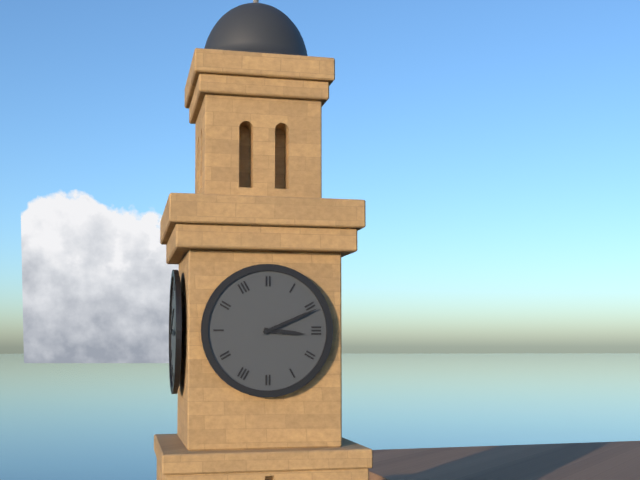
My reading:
3h11
